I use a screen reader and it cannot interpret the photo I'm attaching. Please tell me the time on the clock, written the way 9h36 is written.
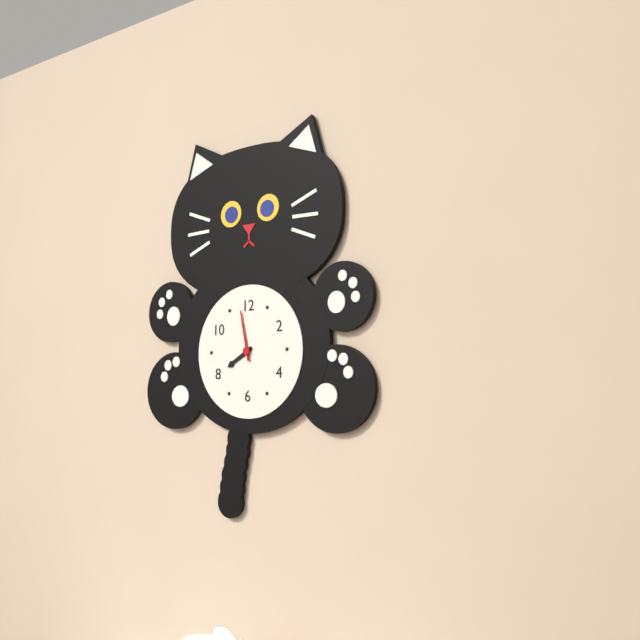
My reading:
7h58
